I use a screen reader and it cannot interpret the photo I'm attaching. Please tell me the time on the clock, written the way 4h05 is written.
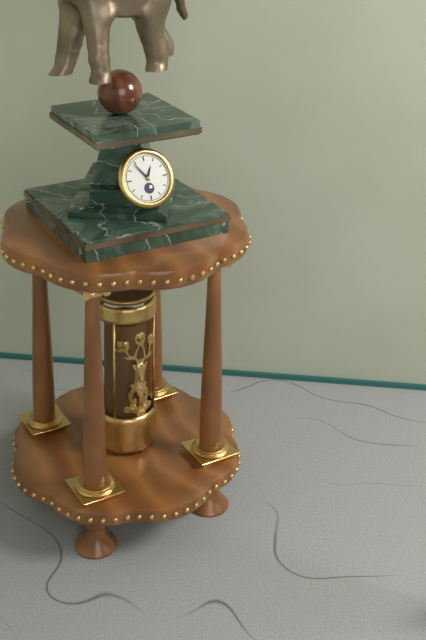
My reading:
12h54
